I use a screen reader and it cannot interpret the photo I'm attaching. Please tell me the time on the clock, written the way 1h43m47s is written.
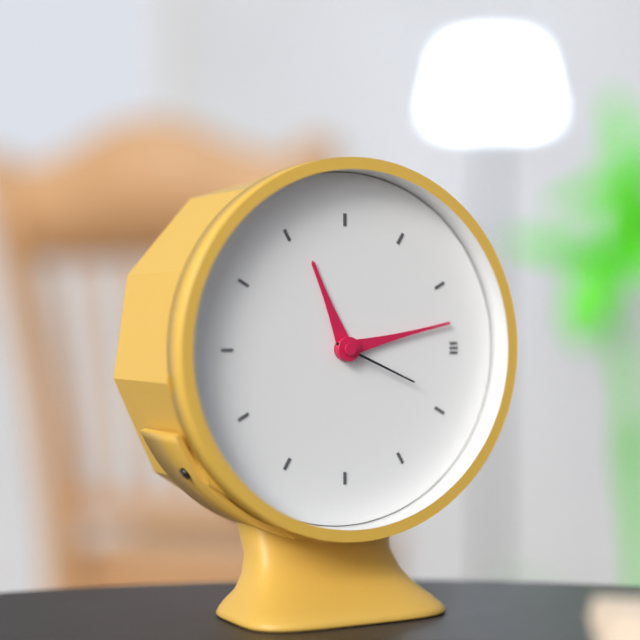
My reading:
11h13m19s
